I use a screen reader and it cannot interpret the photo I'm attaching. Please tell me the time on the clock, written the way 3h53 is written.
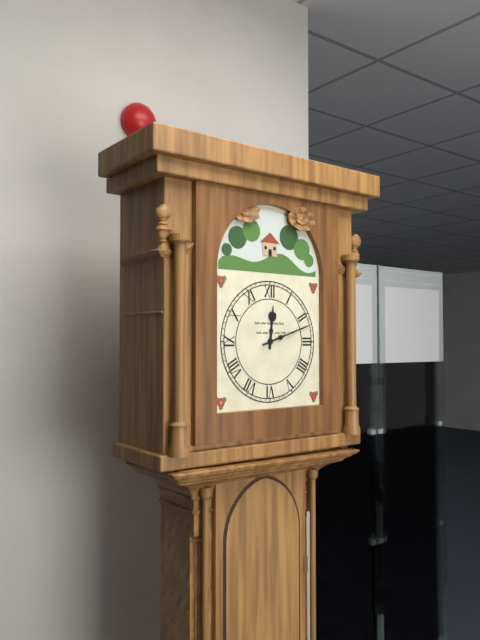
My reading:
12h12
